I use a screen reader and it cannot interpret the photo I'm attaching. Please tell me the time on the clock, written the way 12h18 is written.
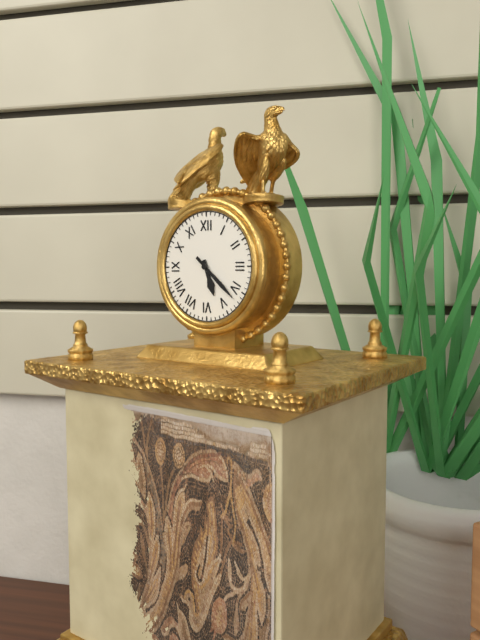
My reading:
5h22
